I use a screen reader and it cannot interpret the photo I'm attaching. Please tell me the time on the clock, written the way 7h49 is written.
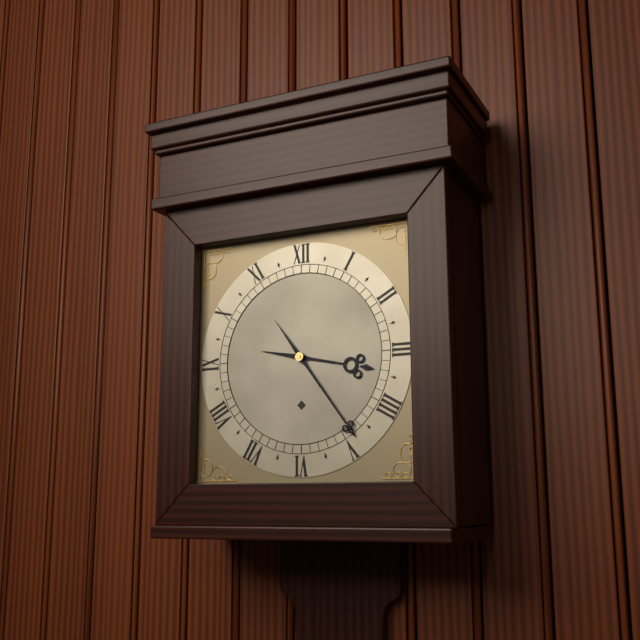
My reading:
3h24
